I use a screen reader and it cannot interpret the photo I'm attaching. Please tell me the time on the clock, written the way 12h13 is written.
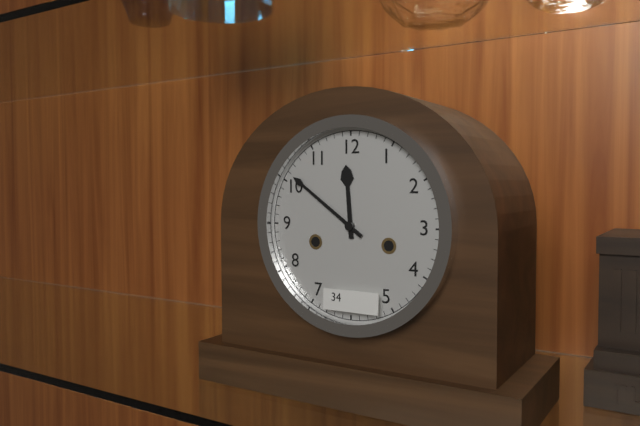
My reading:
11h51
